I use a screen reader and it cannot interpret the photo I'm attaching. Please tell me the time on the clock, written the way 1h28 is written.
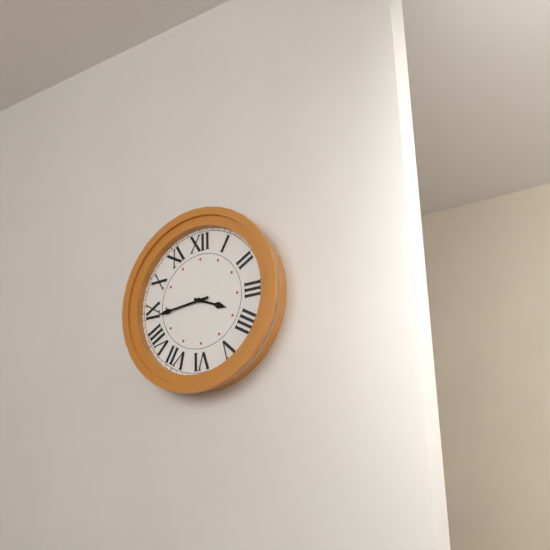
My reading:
3h44
